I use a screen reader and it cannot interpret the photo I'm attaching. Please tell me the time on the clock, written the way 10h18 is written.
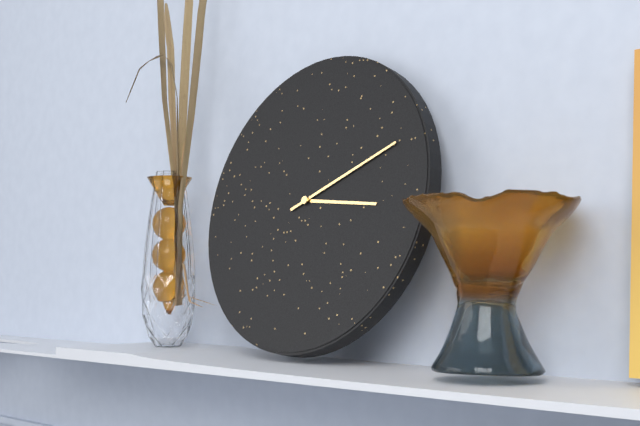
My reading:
3h11
